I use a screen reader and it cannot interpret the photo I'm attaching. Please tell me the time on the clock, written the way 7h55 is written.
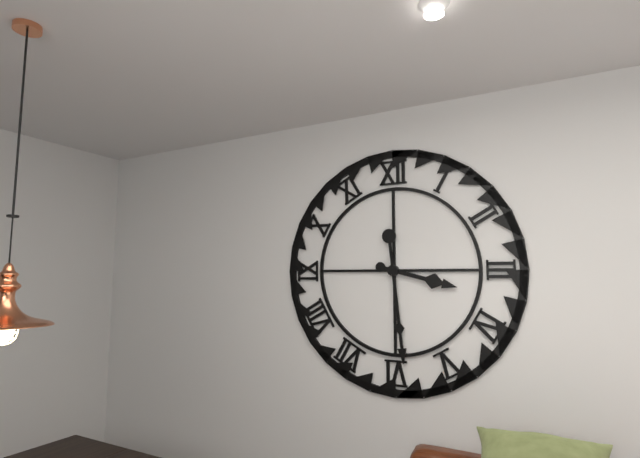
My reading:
3h29
